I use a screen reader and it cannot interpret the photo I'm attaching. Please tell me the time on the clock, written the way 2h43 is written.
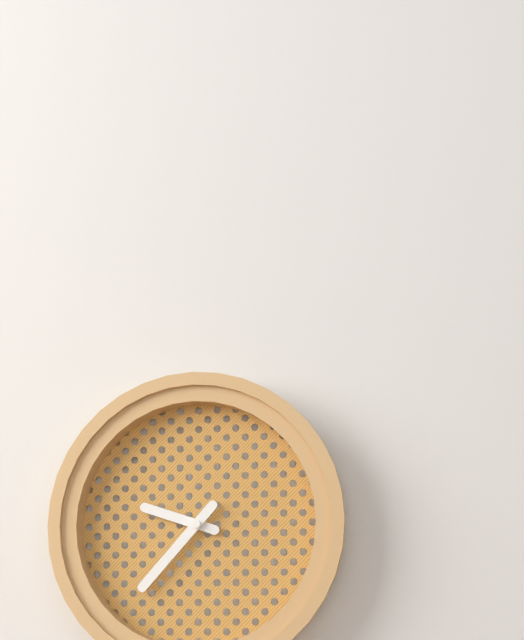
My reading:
9h37
